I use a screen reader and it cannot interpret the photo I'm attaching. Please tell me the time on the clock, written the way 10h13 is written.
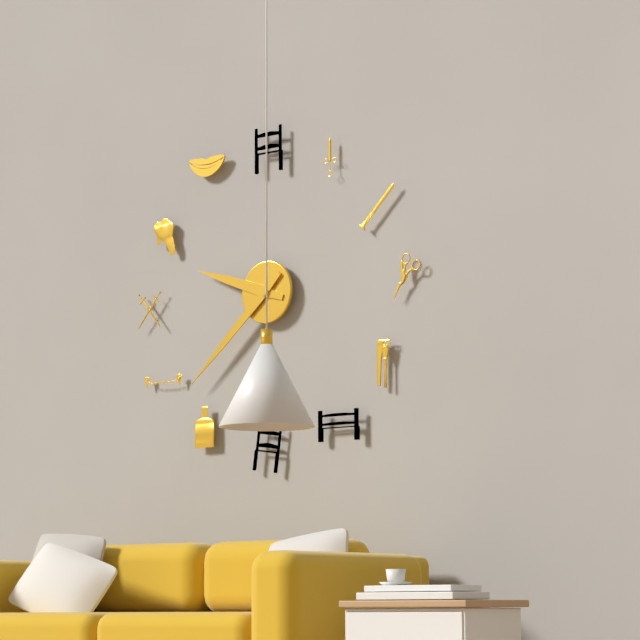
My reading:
9h38
